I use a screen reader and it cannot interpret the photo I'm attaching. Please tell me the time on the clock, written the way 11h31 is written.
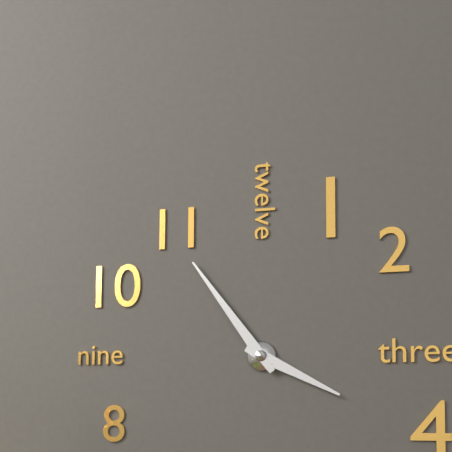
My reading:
3h54
